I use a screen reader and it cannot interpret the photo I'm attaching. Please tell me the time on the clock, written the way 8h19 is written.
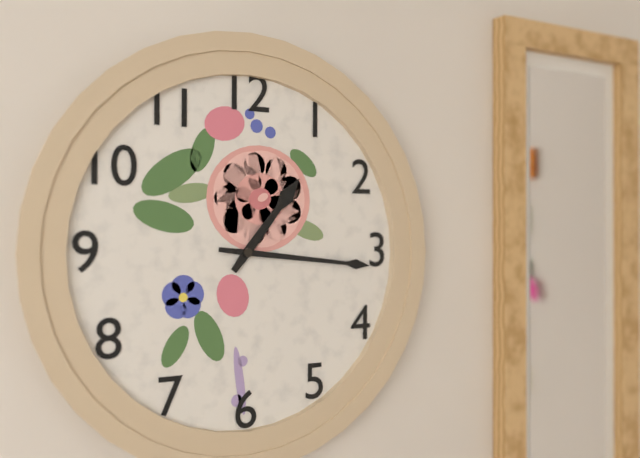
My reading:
1h16
